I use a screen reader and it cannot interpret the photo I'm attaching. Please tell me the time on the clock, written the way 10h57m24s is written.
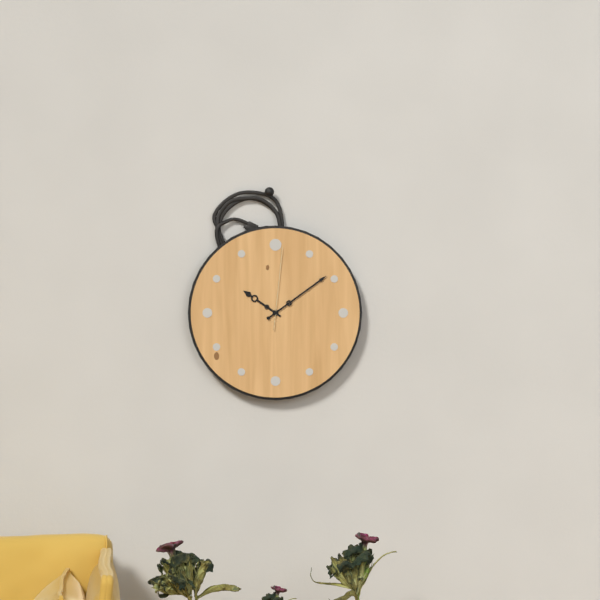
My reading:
10h09m01s
